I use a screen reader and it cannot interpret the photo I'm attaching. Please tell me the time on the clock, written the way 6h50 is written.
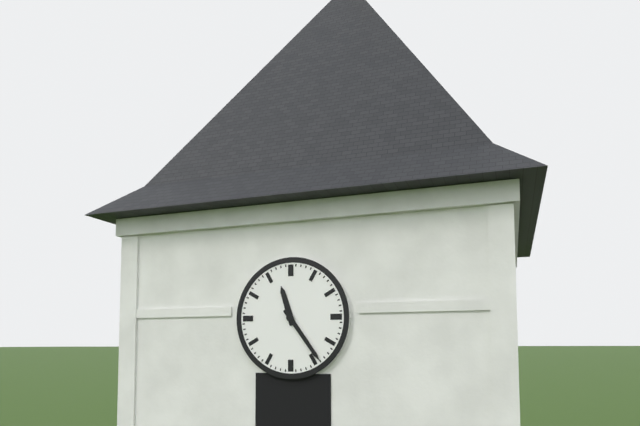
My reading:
11h24
